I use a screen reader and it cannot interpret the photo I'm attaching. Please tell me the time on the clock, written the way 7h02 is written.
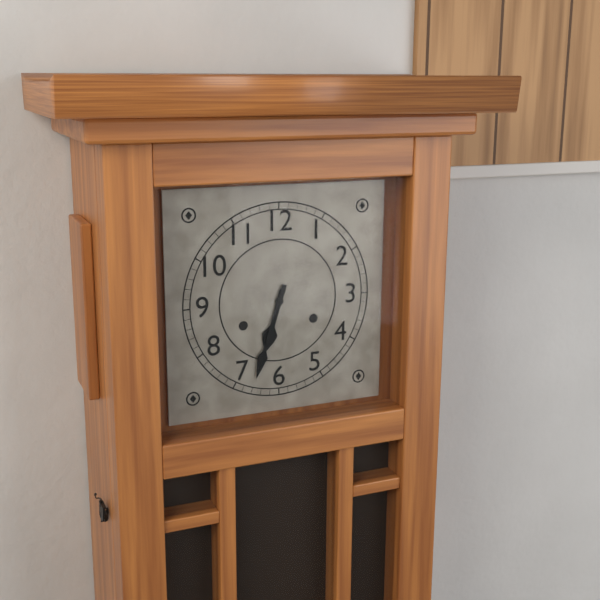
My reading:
6h33
